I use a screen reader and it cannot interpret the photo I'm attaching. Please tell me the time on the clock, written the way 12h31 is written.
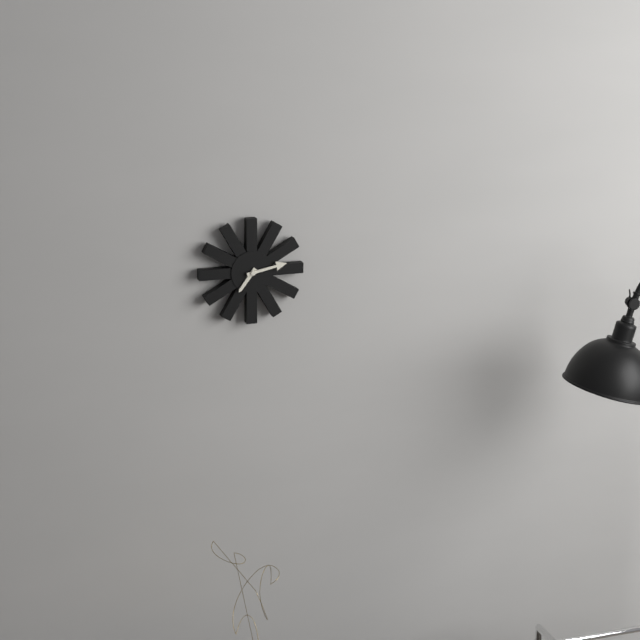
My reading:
7h13
